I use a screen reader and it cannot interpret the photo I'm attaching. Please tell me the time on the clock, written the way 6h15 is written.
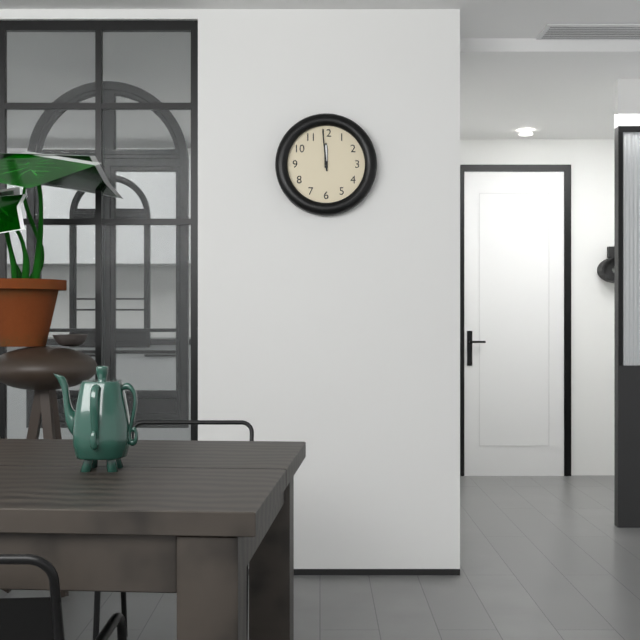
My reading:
11h59
